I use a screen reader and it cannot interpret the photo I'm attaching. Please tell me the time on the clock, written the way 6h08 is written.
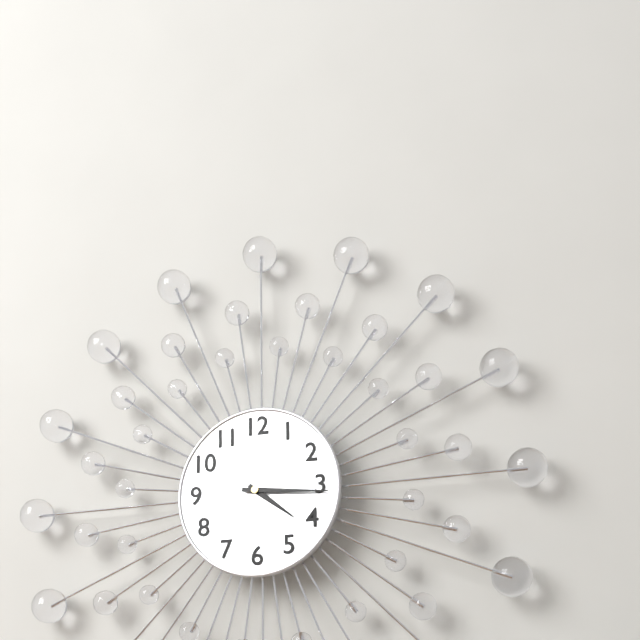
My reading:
4h16
